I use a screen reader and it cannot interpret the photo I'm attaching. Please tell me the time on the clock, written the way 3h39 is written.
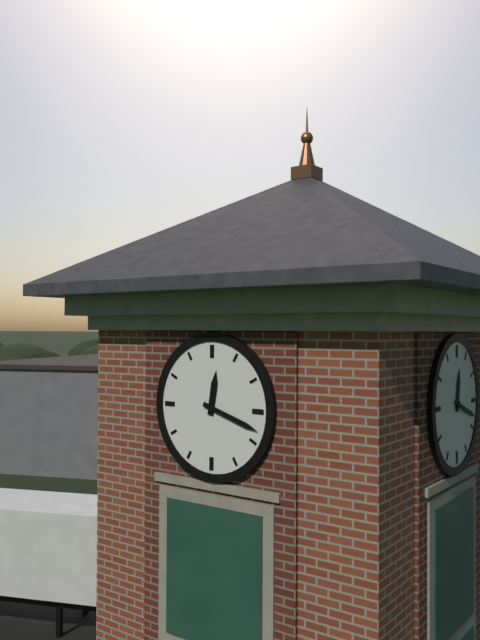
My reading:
12h18
